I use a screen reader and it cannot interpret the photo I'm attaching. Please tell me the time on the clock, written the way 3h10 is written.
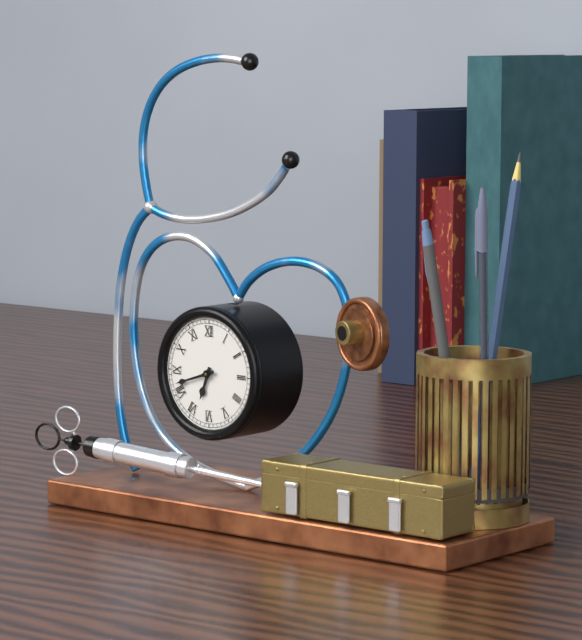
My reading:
6h42
